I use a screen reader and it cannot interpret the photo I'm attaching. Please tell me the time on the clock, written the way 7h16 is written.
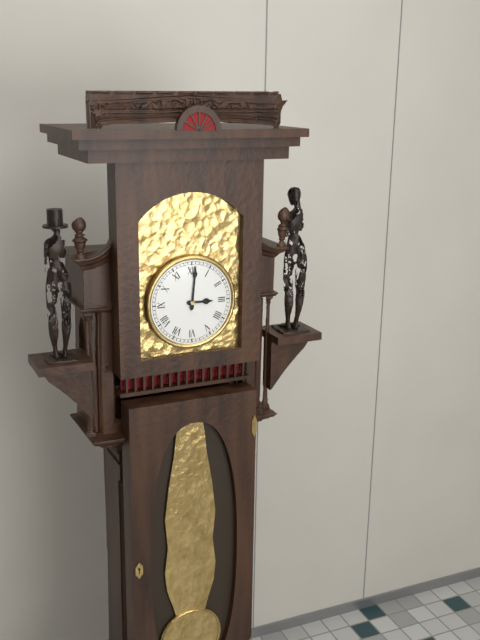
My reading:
3h01
